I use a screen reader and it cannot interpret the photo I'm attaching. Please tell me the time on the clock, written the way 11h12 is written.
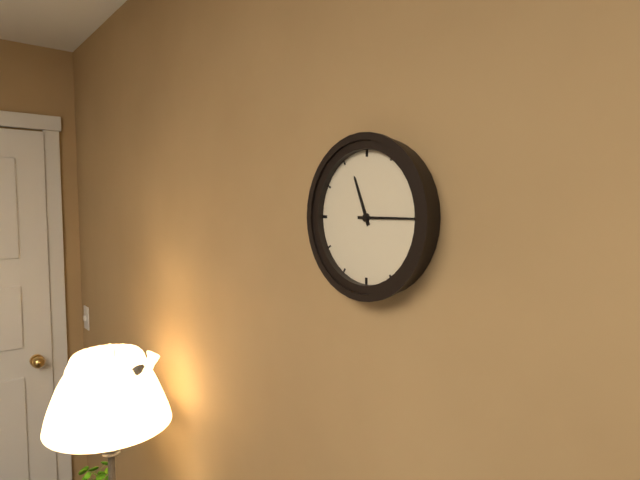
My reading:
11h15
